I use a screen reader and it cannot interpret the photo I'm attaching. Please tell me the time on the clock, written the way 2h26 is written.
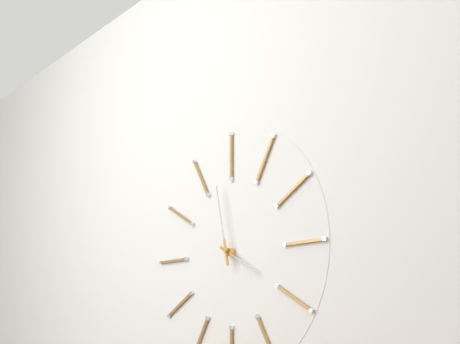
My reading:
3h58
